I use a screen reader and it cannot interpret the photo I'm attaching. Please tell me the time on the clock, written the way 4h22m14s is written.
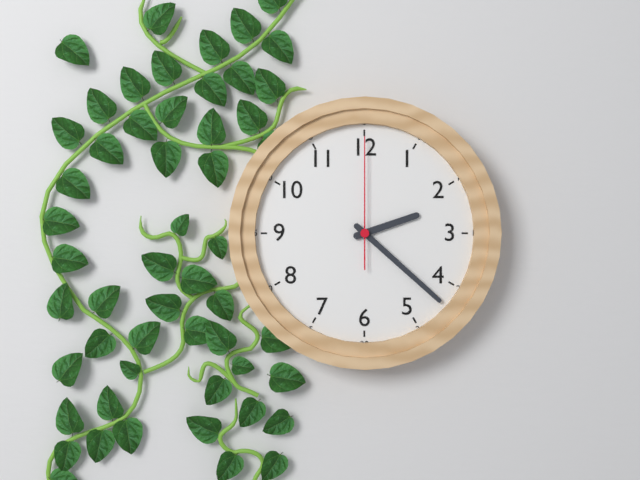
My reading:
2h22m00s
